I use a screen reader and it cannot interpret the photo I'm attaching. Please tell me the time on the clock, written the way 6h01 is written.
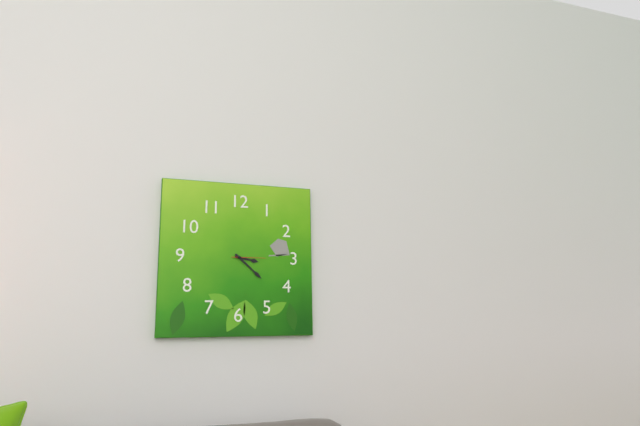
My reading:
3h22
